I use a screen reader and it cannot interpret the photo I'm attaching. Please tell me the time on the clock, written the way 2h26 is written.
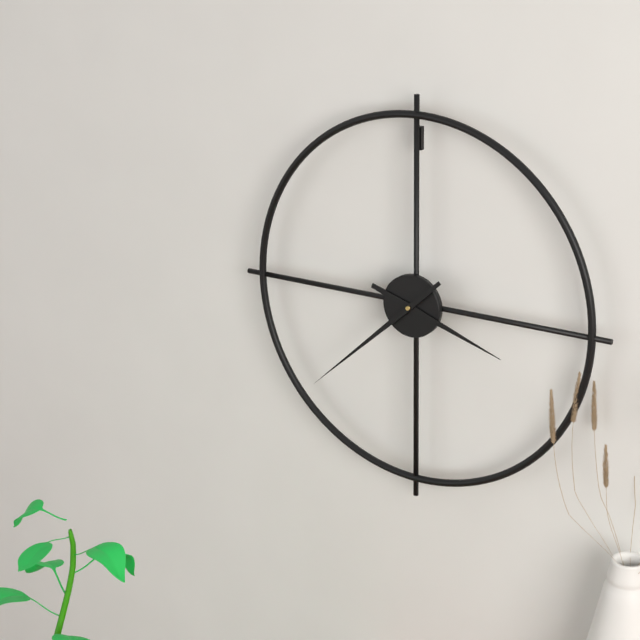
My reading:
3h38
